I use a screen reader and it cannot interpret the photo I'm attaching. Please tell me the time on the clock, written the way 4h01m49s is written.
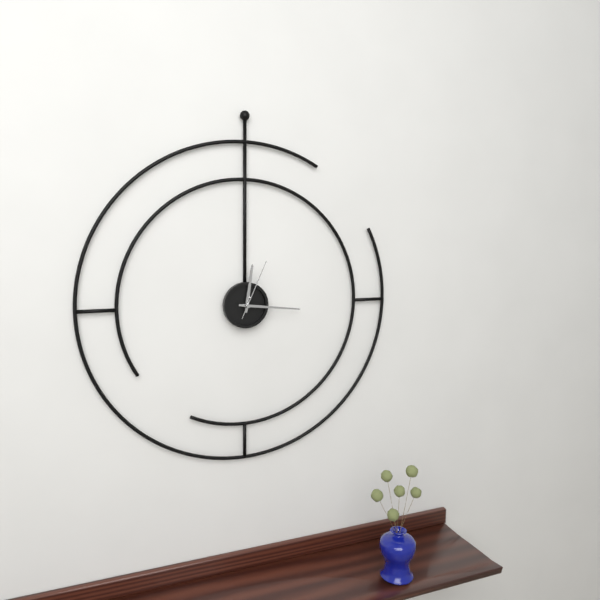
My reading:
12h16m04s
